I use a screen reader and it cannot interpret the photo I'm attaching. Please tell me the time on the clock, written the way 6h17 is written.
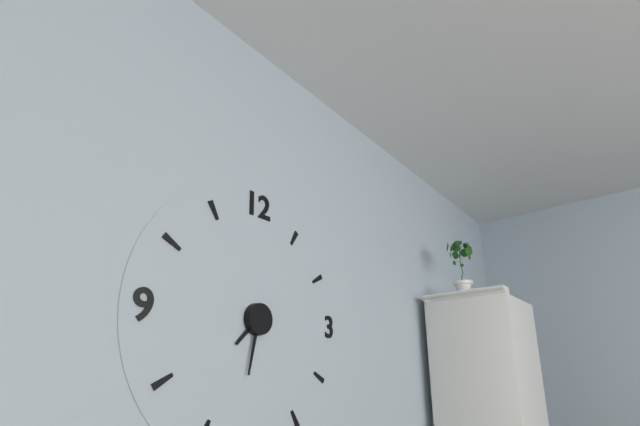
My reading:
7h32
